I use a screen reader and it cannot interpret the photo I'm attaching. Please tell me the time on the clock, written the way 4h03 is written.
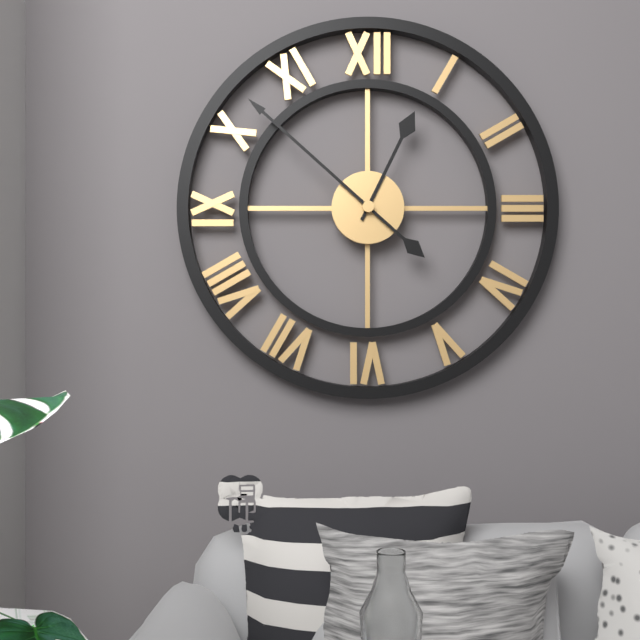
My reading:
12h52
